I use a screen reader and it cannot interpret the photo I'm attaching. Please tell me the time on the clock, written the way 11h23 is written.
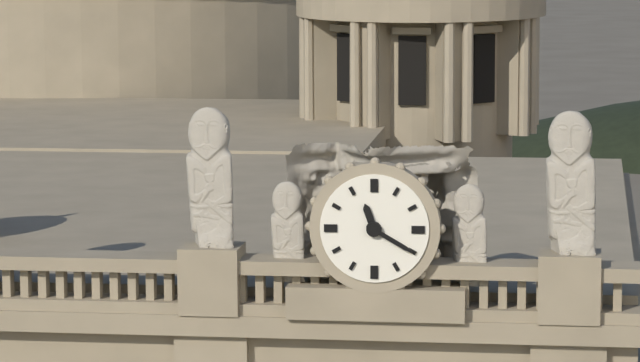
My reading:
11h20
